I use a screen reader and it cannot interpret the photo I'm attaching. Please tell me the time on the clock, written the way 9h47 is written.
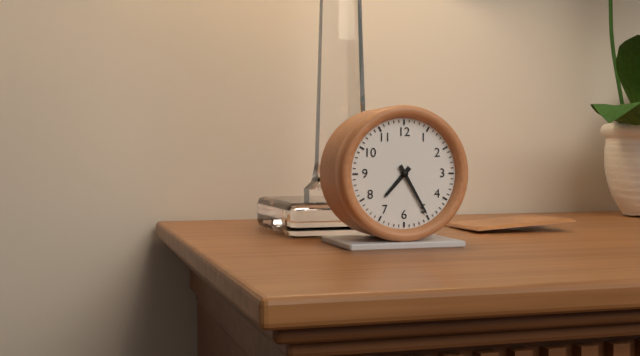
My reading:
7h25
